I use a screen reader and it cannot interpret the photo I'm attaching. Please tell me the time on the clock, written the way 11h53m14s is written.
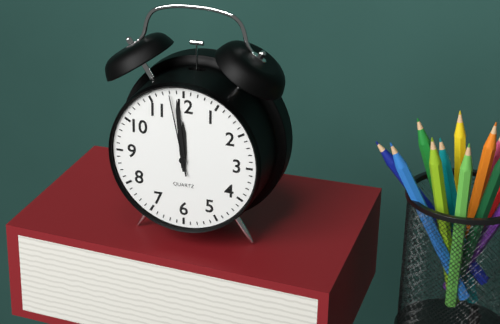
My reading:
11h59m58s
